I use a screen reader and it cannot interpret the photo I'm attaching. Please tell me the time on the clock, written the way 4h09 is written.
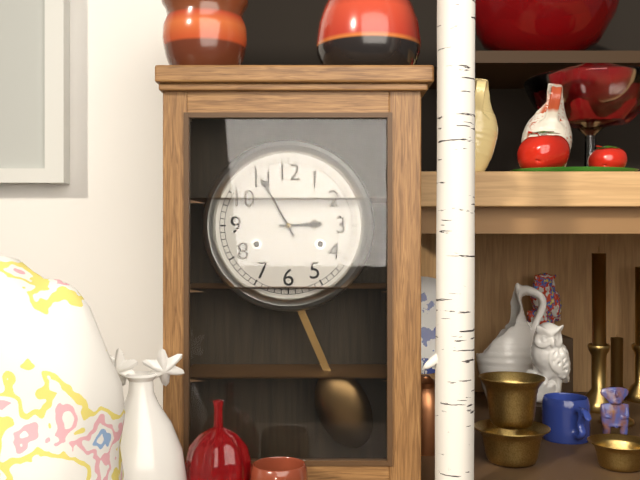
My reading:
2h55
